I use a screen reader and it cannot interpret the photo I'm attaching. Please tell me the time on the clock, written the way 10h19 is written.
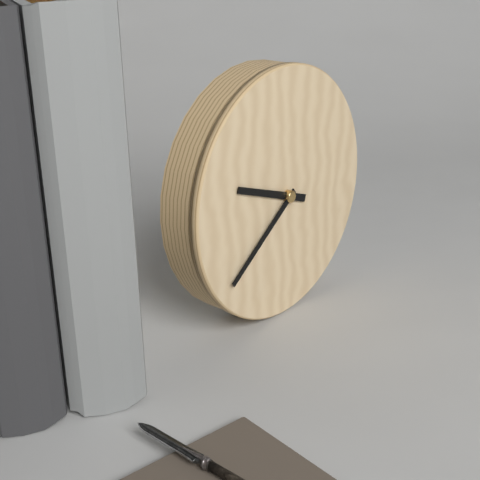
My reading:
9h39
